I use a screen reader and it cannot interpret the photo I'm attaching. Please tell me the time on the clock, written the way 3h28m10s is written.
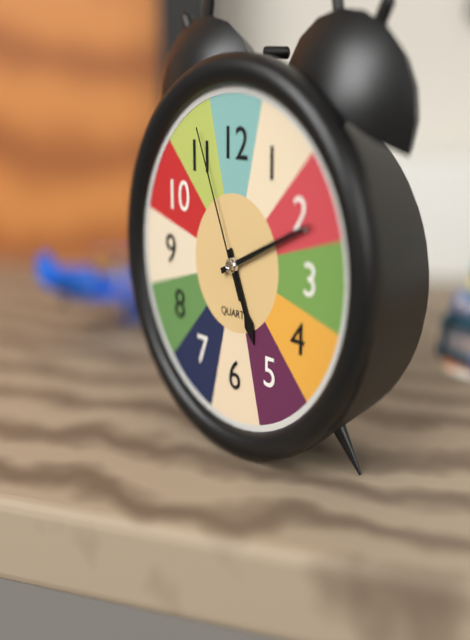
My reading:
5h11m56s
